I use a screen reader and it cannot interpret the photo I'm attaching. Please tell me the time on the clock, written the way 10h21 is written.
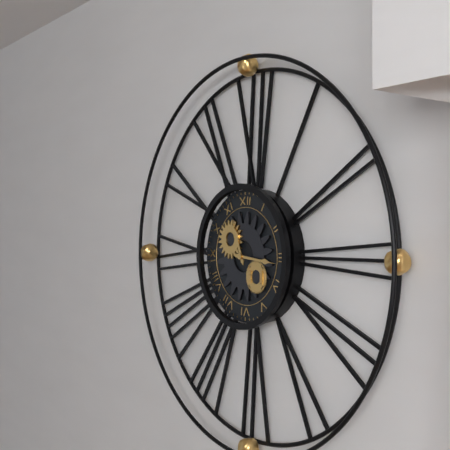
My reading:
11h16
